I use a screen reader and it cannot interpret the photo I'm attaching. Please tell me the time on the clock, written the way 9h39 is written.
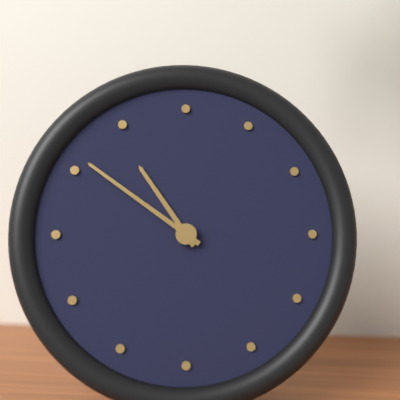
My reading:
10h51
